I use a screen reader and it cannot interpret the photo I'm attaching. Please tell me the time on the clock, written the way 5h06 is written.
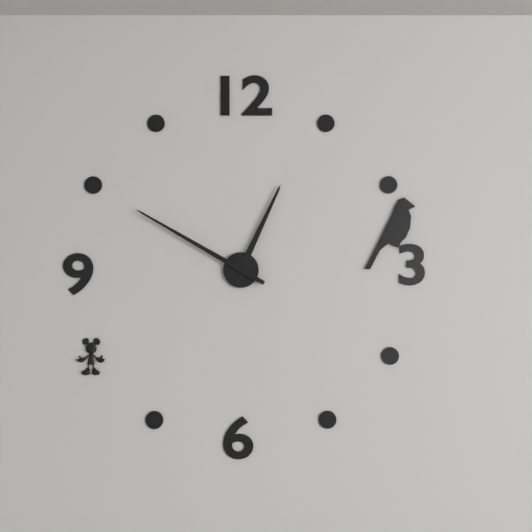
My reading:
12h50
